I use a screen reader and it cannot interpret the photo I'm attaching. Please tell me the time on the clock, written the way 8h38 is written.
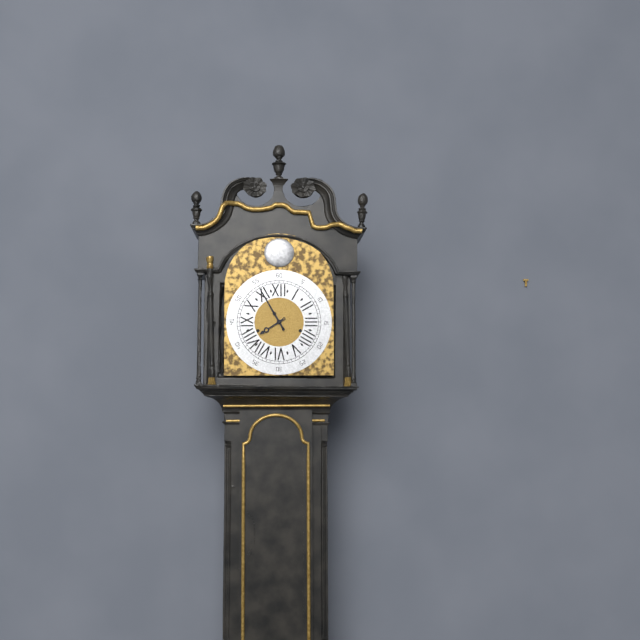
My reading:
7h55
